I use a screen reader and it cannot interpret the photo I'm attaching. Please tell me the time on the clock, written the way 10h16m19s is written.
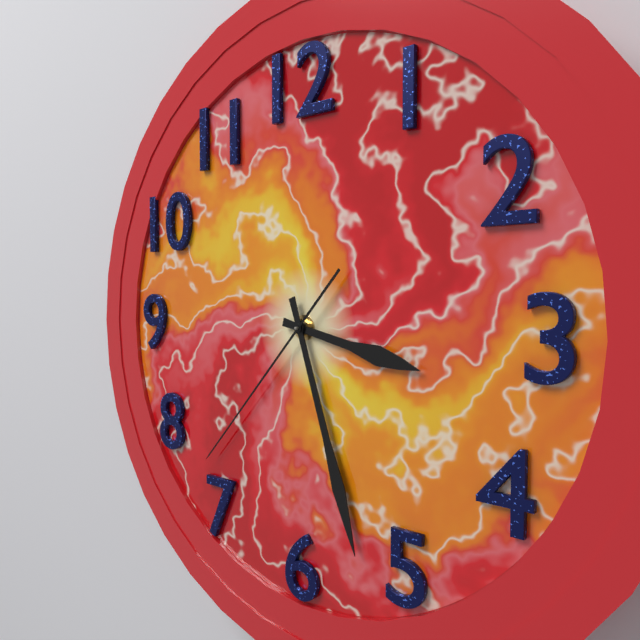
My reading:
3h27m37s
